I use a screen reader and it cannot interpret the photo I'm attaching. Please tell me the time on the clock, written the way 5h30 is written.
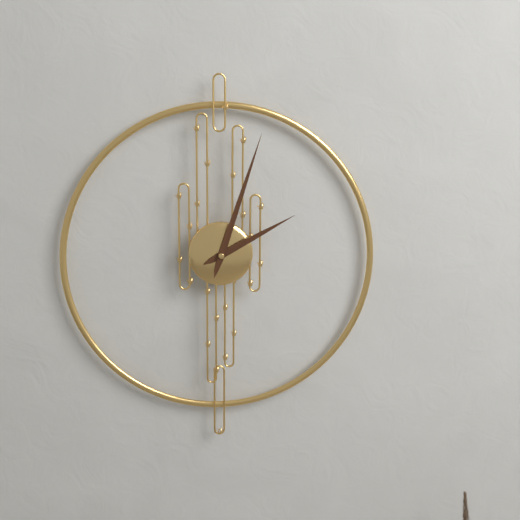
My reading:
2h03
